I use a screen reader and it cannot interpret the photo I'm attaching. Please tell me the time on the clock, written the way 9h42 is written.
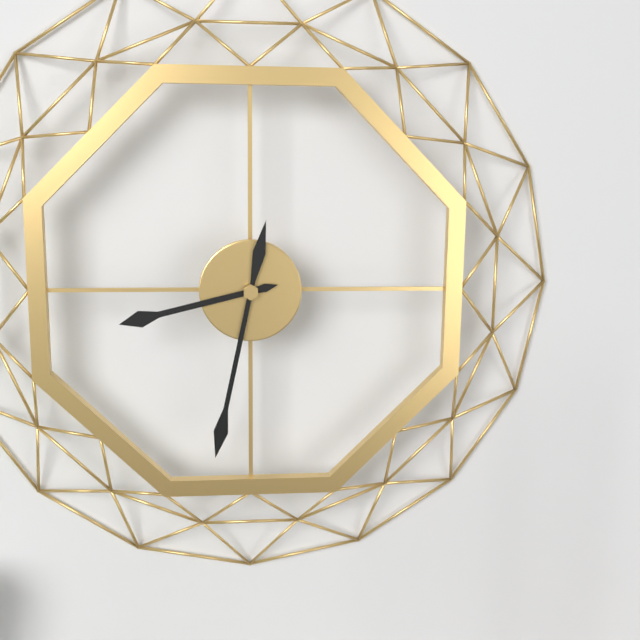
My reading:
8h32
